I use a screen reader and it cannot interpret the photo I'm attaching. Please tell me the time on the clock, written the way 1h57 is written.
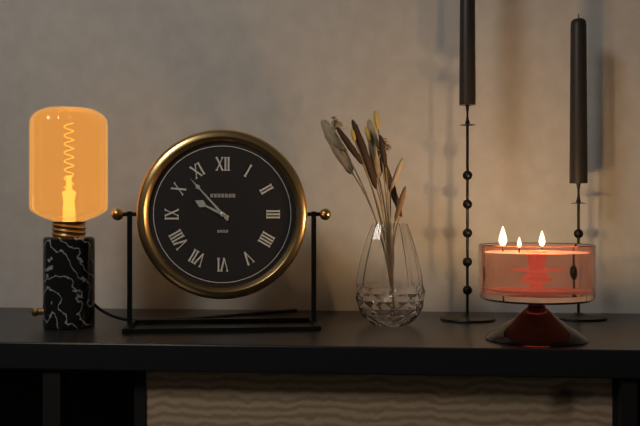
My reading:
9h53
